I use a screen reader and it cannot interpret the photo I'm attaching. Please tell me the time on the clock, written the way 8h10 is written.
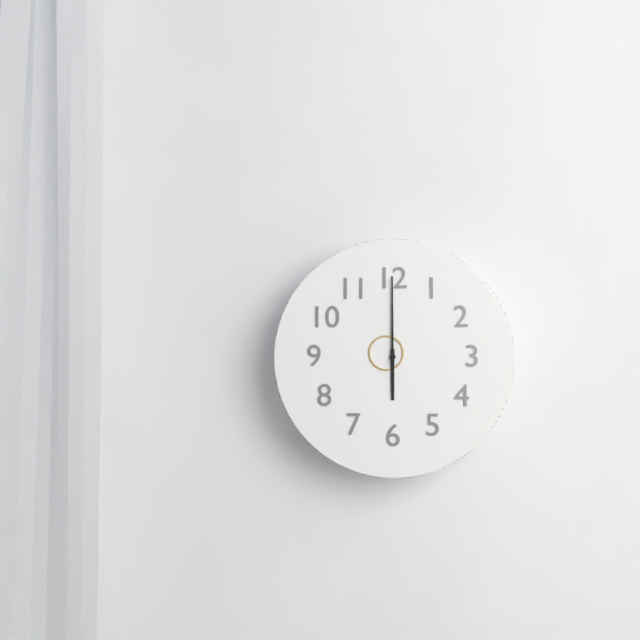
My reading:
6h00
